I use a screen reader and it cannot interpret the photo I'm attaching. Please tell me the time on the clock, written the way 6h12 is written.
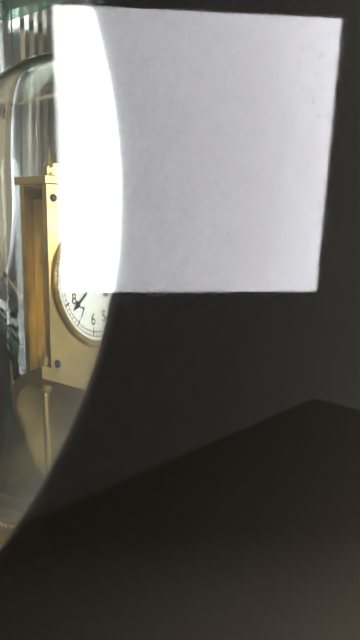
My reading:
3h38
